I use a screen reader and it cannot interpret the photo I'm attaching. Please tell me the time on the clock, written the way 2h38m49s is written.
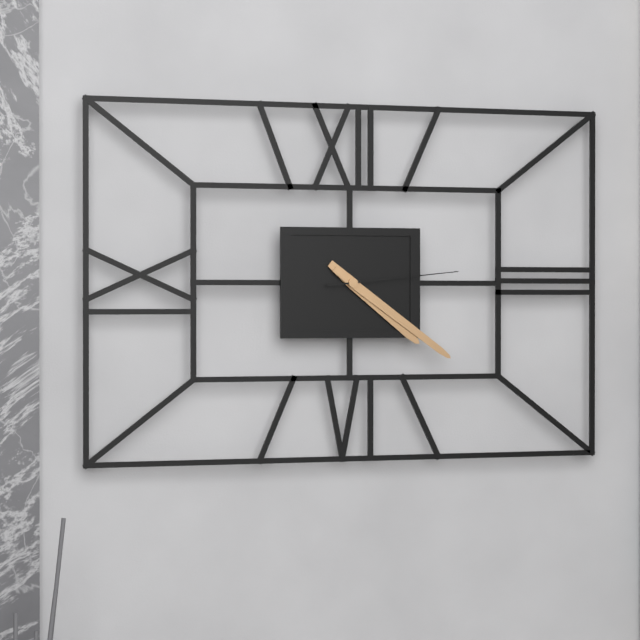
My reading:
4h21m14s
